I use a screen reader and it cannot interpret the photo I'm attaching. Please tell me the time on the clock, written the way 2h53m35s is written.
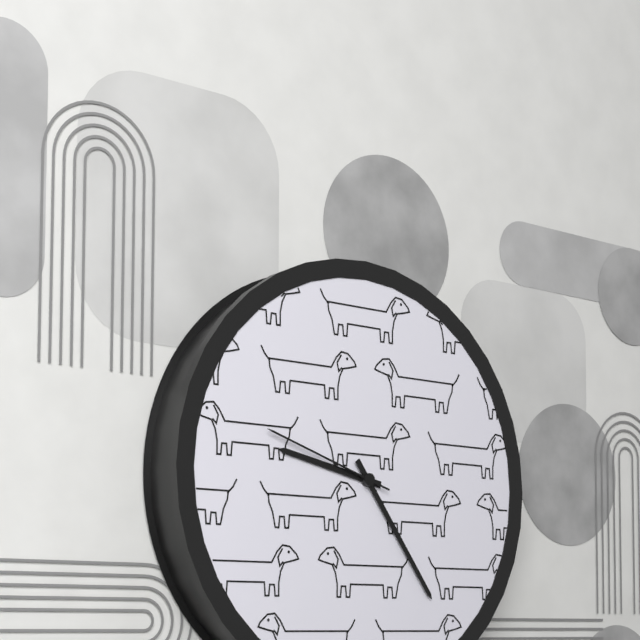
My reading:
9h24m48s
